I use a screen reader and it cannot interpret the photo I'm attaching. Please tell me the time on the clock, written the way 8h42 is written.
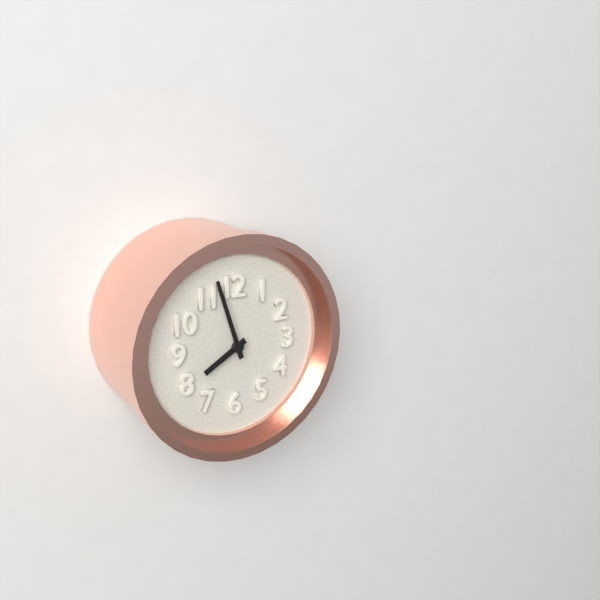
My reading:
7h57
